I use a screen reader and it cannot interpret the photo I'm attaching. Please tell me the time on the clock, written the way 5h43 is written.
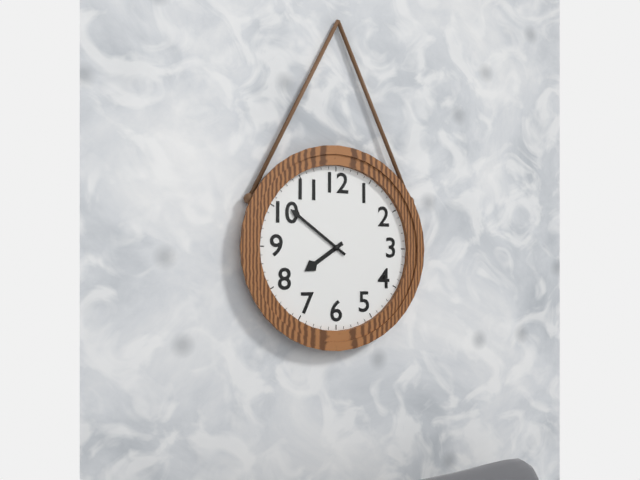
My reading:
7h51
